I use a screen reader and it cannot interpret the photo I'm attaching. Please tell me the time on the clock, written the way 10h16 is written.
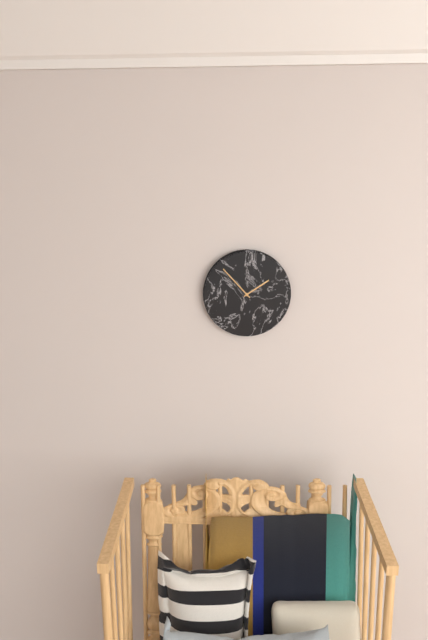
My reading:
1h53
